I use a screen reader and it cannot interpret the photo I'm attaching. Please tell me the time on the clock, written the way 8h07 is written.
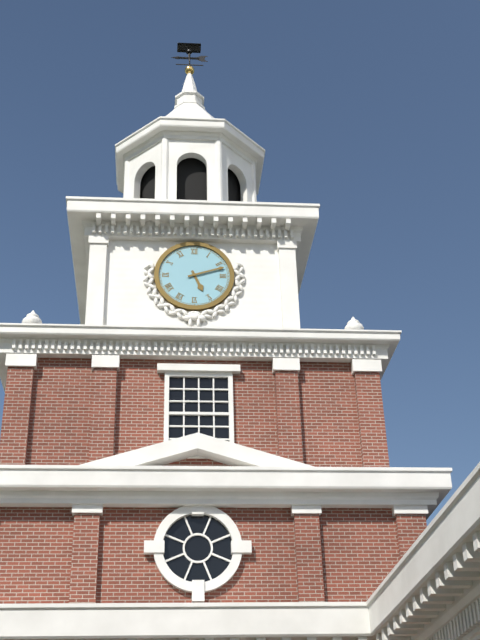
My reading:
5h12
